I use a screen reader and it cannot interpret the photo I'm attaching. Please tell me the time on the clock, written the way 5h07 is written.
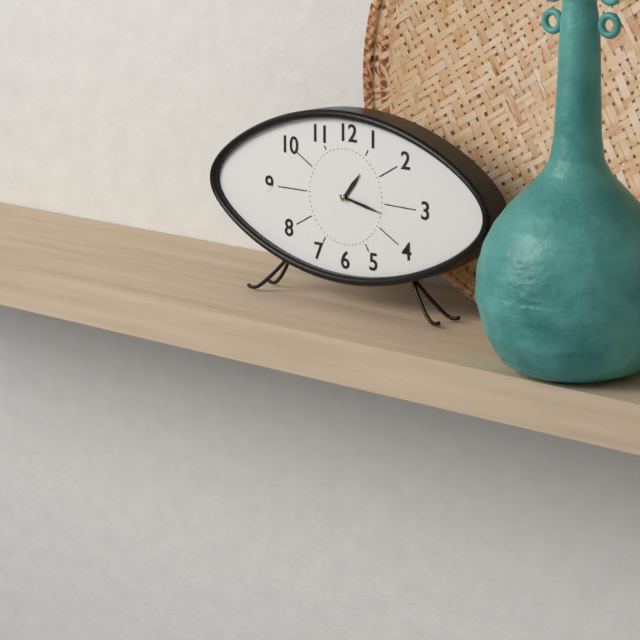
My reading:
1h17
